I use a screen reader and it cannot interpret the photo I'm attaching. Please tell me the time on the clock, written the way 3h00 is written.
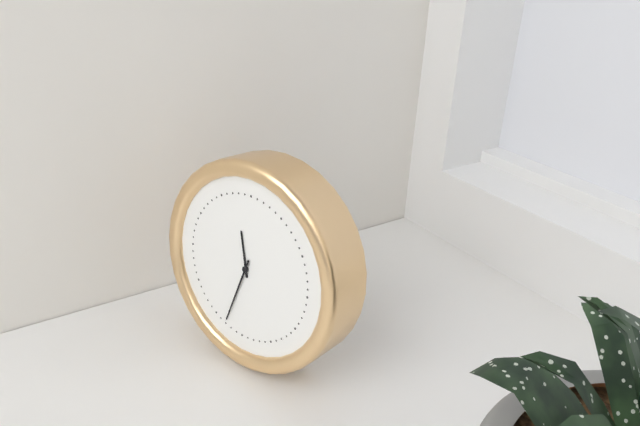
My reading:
11h33
